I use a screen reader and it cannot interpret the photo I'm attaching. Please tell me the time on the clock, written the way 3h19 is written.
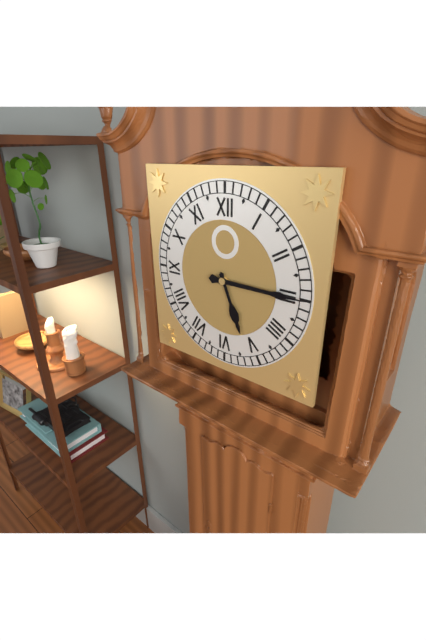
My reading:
5h15
